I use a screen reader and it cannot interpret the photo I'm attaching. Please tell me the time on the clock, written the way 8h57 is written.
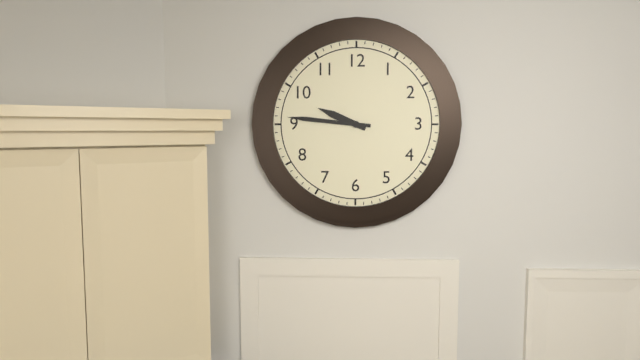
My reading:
9h46
